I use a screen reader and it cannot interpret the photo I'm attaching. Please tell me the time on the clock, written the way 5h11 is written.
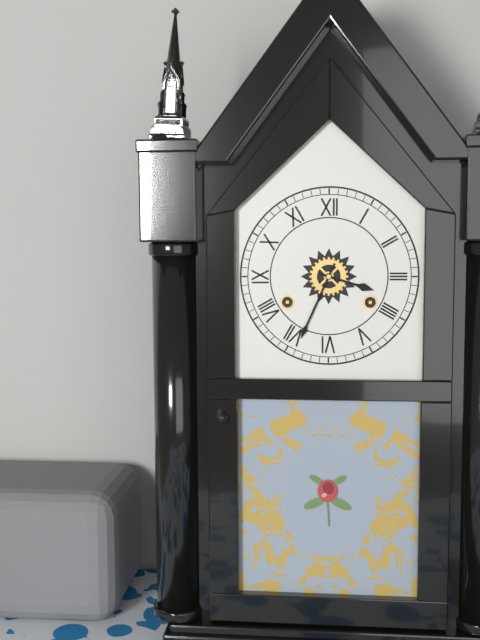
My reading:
3h34
